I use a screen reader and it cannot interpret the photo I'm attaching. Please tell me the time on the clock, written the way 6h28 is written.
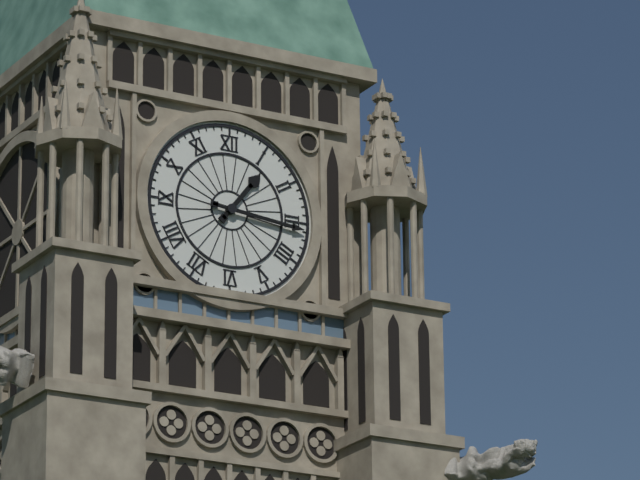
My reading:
1h16
